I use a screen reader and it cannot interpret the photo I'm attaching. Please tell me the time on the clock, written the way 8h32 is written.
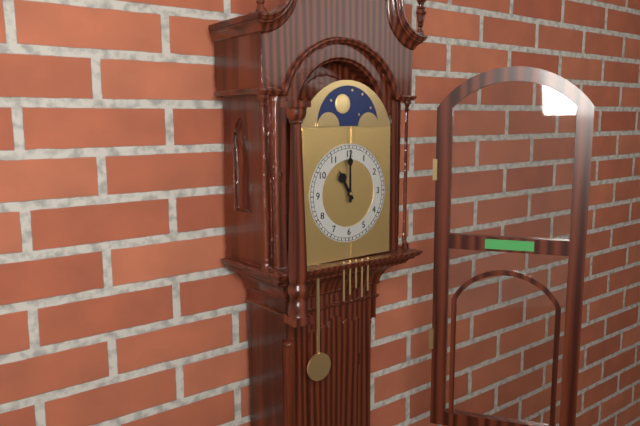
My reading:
11h00
